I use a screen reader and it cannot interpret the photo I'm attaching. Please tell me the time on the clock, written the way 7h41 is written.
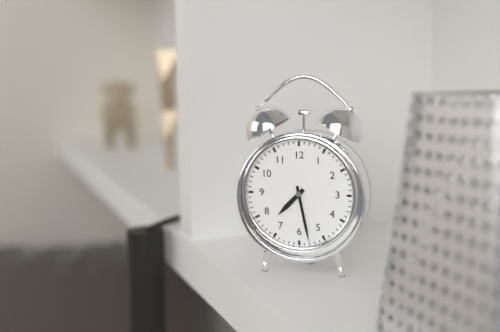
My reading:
7h28
